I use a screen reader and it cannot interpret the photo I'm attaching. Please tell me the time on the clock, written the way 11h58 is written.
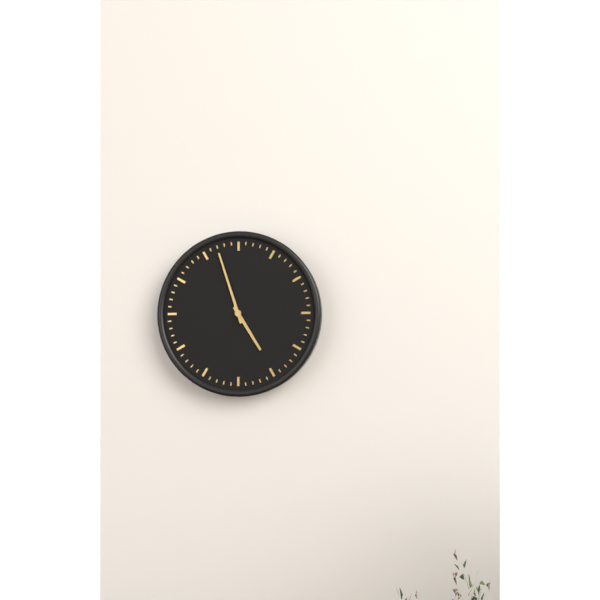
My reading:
4h57
